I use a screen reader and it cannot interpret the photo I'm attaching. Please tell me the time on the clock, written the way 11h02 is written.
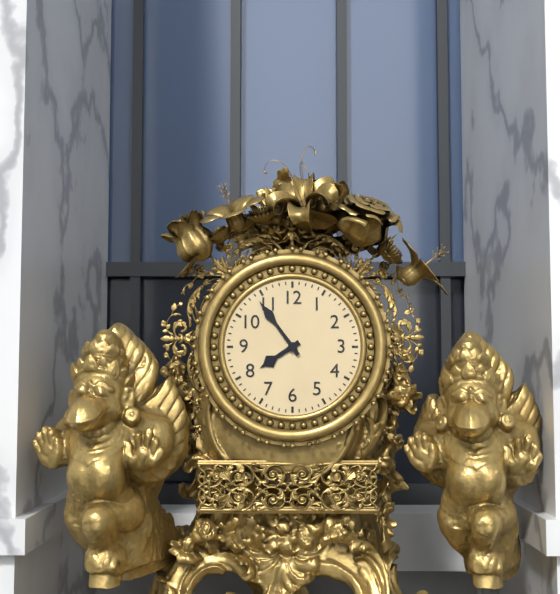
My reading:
7h54
